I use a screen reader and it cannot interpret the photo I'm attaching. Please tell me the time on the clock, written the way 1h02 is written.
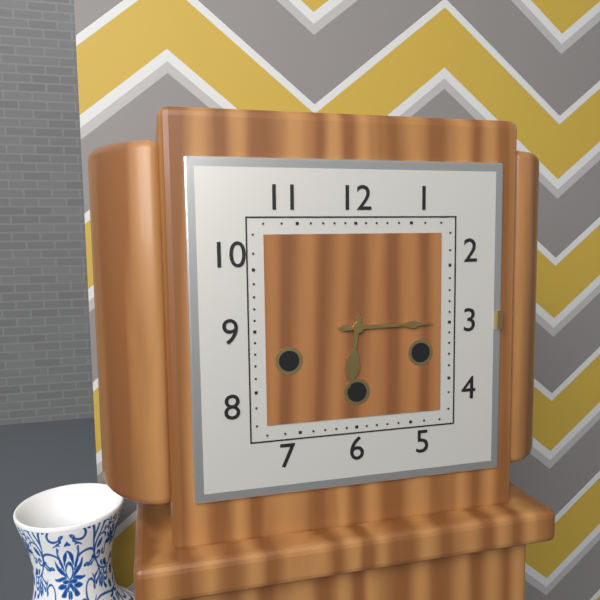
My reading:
6h15
